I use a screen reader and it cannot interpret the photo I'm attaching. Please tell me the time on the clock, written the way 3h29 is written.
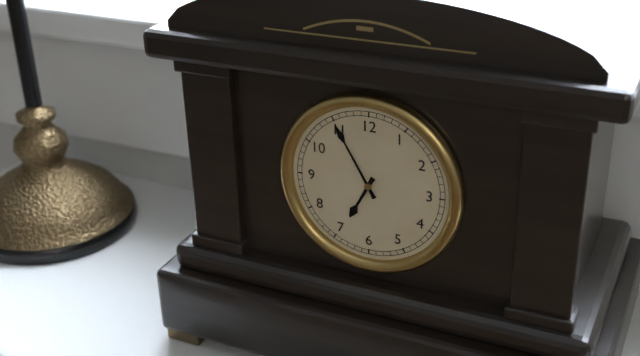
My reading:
6h55
